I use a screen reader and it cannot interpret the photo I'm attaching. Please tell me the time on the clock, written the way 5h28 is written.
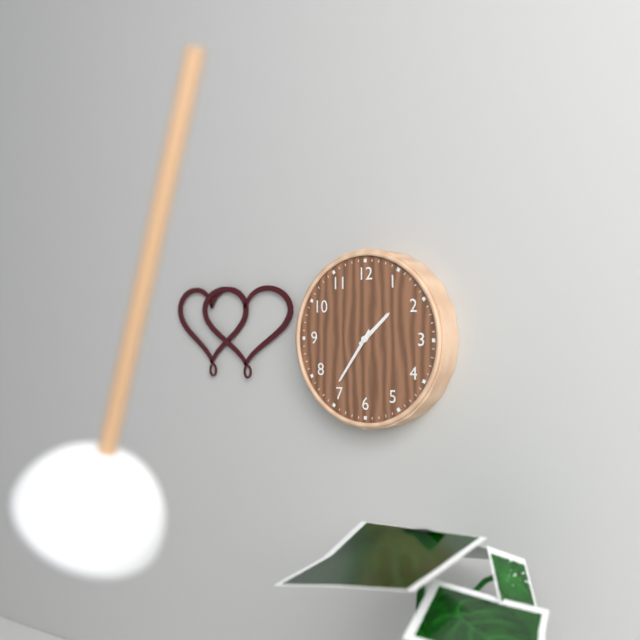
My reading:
1h36
